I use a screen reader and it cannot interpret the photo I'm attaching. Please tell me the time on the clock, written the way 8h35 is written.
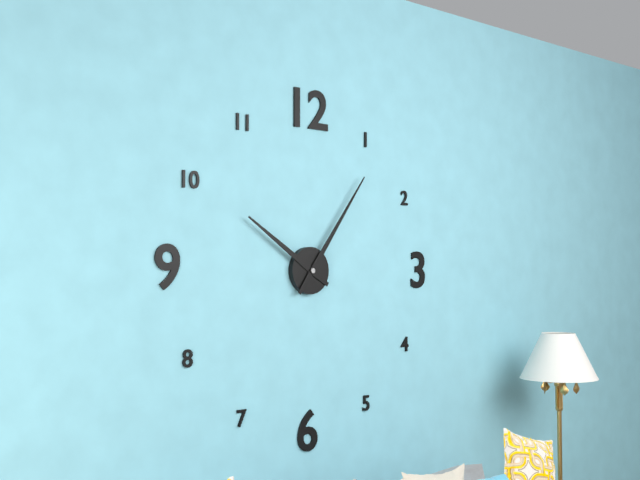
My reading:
10h06
